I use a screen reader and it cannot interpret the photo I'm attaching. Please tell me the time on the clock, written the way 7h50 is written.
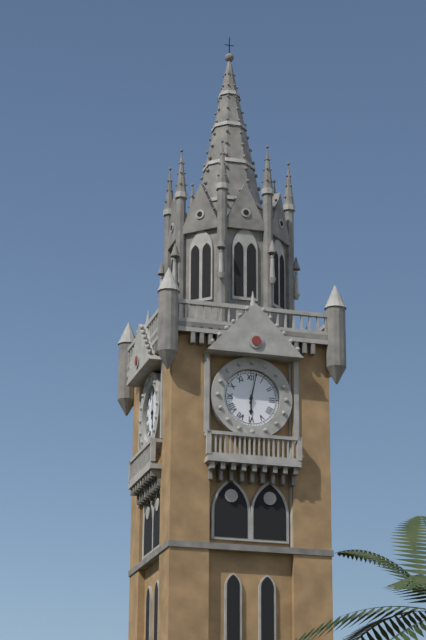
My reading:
6h02
